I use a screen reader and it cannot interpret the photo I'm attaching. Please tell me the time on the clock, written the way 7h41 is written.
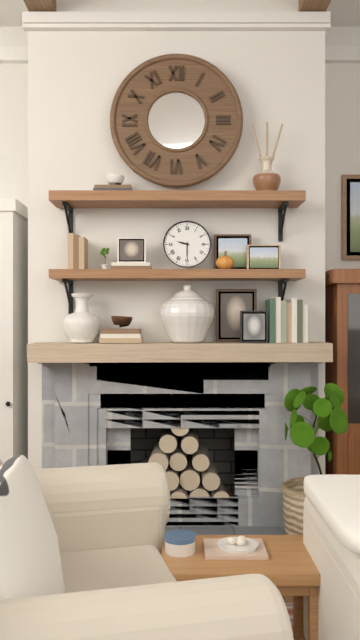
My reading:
9h30
